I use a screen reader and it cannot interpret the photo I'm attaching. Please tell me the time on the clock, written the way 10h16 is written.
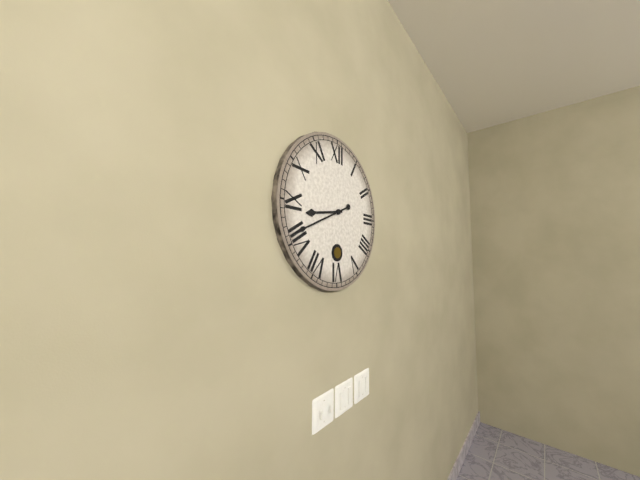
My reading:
8h41
